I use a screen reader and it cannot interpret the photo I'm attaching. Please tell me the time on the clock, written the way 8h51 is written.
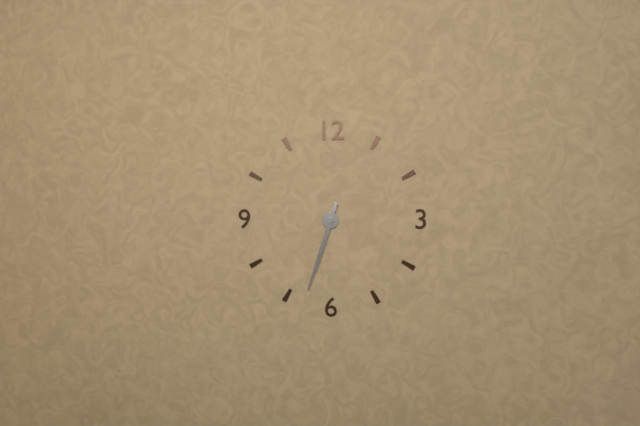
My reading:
6h33
